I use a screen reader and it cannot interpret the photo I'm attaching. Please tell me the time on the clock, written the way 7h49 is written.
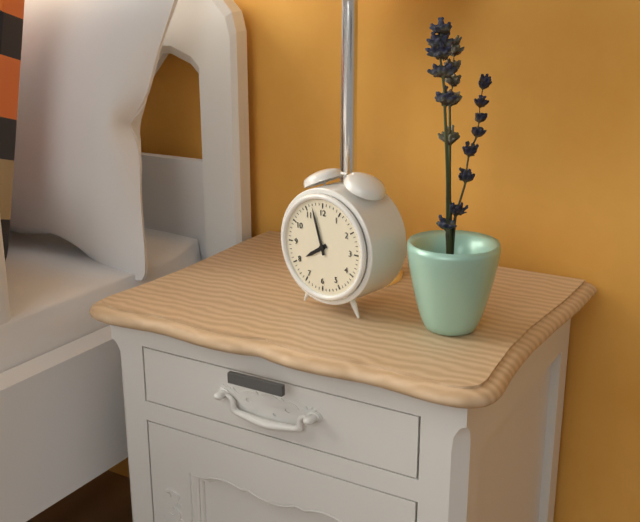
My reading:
7h57
